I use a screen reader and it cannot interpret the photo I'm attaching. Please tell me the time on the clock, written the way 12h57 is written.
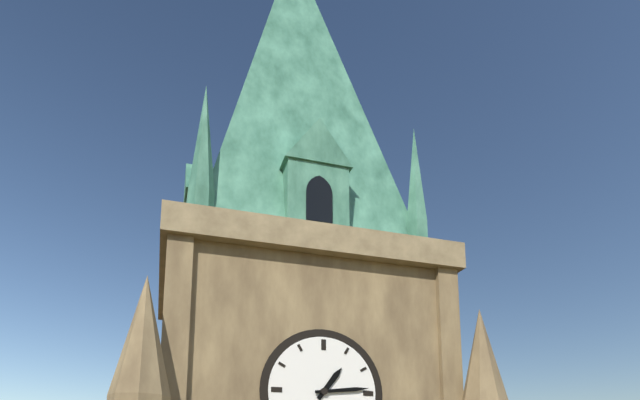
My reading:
1h14
